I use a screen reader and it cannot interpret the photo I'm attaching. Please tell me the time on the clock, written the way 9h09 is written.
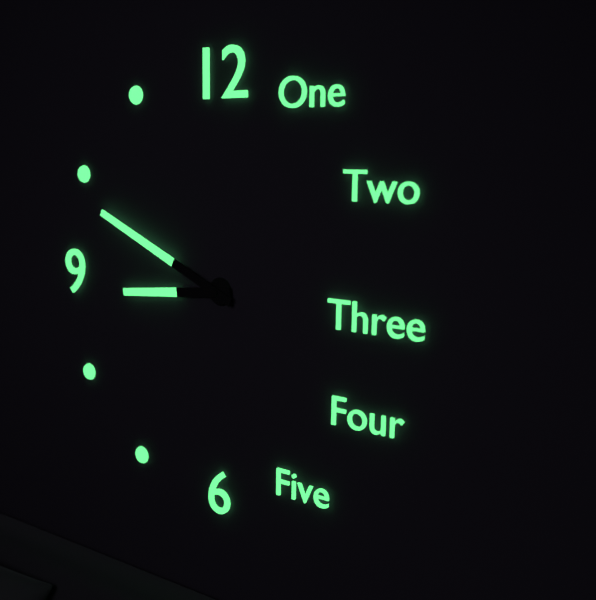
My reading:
8h49
